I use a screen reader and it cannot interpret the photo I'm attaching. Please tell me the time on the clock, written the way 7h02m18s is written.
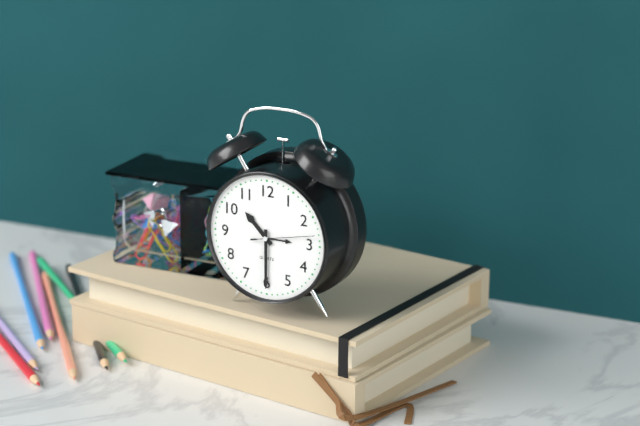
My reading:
10h30m13s
